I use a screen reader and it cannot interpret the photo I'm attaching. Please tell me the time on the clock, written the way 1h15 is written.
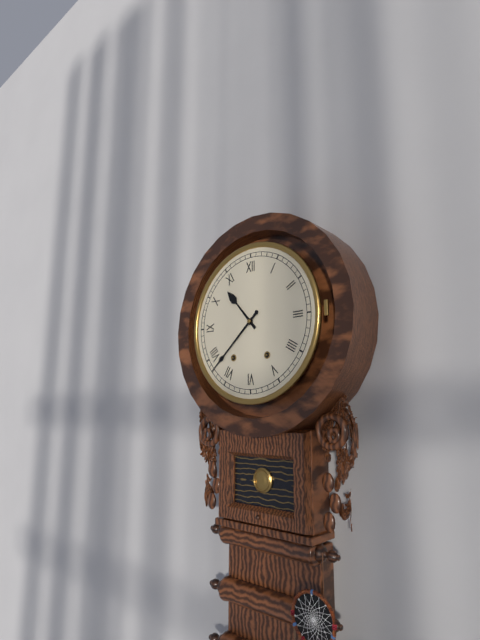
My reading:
10h38
